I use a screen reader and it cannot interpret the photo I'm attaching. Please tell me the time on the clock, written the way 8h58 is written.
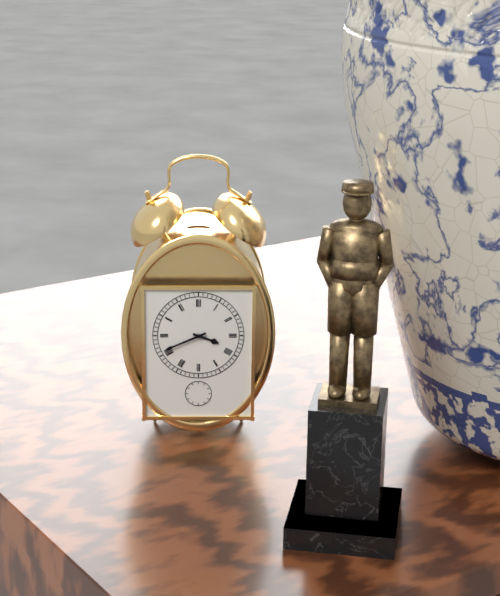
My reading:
3h41
